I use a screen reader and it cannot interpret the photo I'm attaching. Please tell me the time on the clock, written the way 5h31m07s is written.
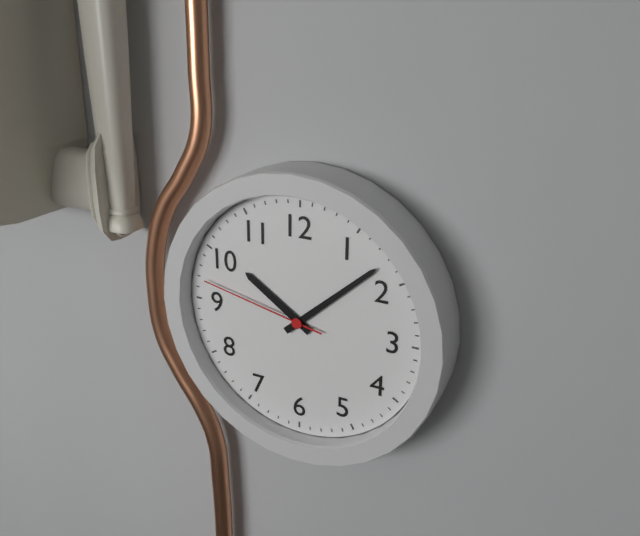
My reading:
10h08m47s
